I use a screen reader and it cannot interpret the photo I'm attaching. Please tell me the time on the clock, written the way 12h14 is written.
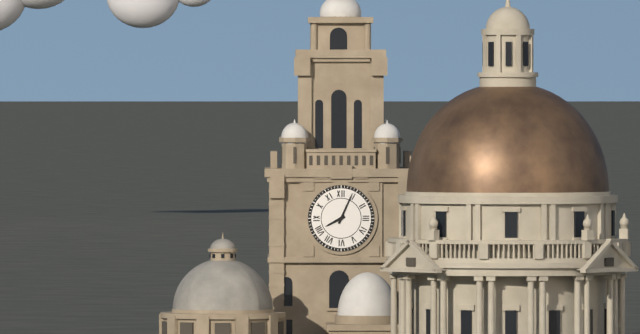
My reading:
8h04
